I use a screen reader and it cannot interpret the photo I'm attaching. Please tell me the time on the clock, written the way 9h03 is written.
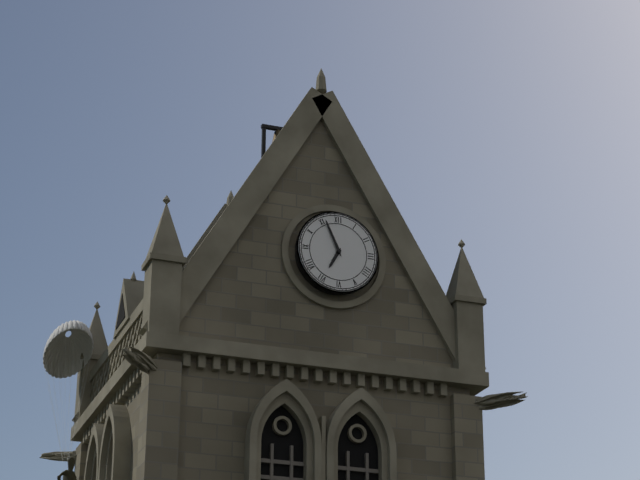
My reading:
6h56
